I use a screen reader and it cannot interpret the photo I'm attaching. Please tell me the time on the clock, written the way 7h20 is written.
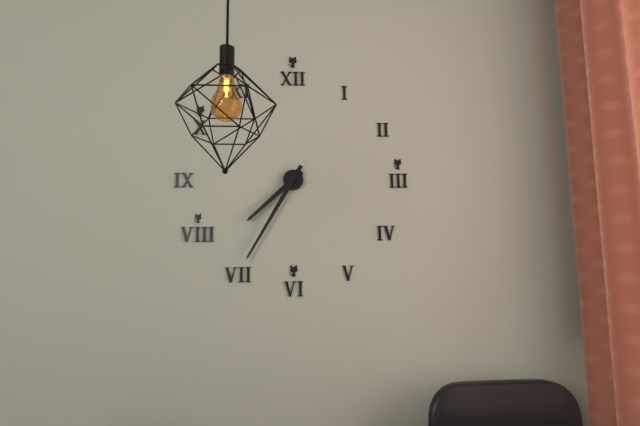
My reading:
7h35
